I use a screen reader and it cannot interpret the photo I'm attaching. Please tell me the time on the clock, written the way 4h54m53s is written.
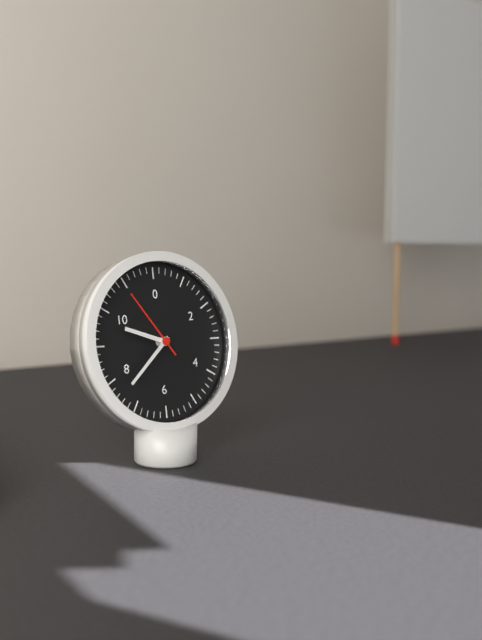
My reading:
9h38m54s
